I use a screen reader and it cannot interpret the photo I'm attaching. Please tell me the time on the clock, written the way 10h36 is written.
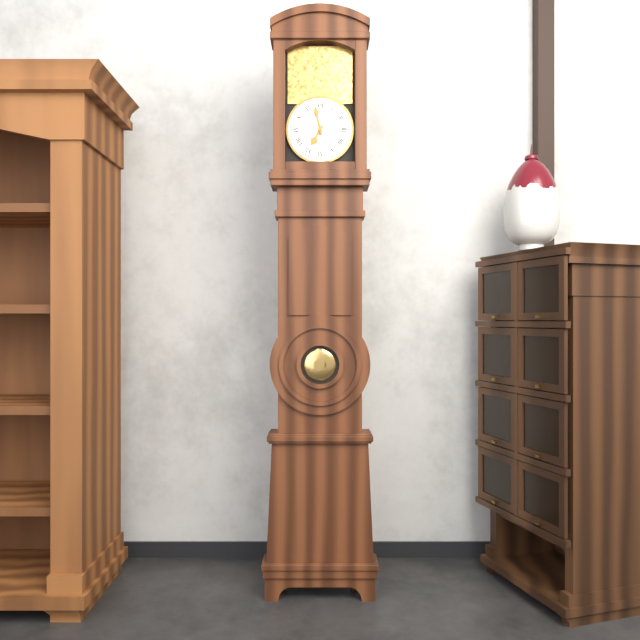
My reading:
6h58
